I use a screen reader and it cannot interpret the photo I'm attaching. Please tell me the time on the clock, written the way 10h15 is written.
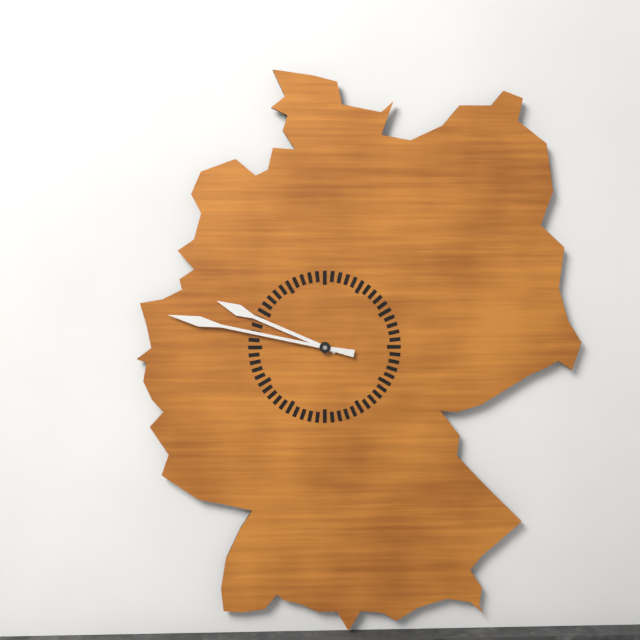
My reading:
9h47
